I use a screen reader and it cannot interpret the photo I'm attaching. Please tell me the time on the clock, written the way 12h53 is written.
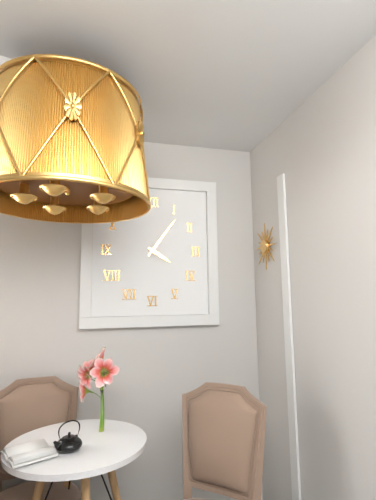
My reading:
4h06
